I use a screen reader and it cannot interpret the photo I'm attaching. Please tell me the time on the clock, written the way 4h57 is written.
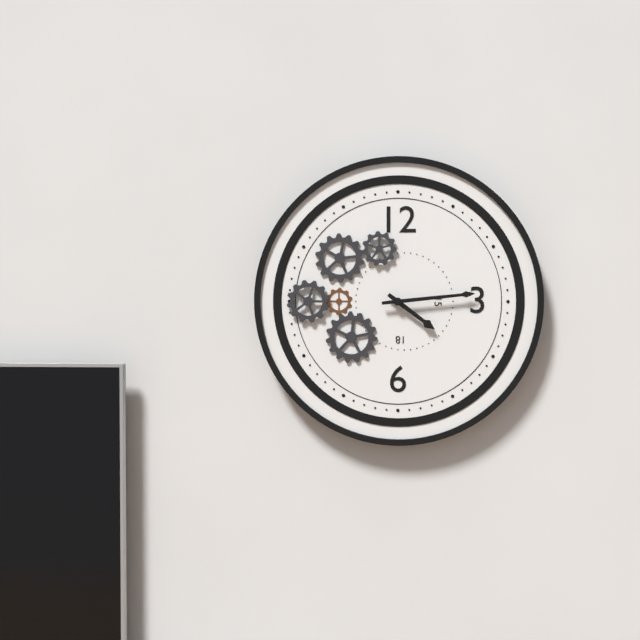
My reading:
4h14
